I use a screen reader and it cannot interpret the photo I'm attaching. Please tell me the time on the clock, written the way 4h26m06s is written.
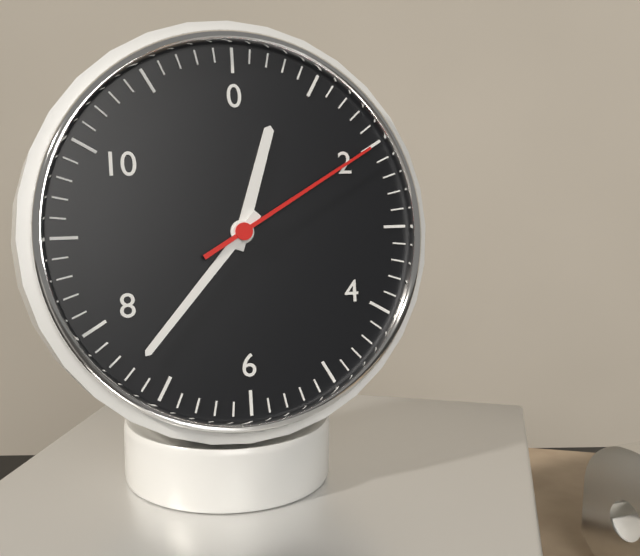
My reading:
12h37m10s
